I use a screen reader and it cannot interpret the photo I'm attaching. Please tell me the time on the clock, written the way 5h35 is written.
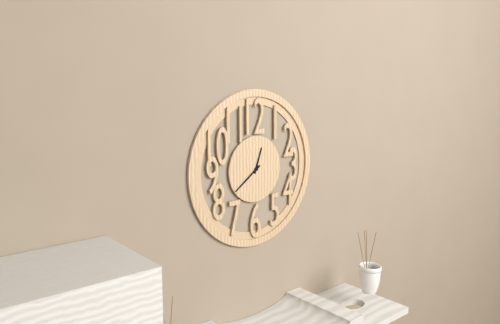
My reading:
12h39
